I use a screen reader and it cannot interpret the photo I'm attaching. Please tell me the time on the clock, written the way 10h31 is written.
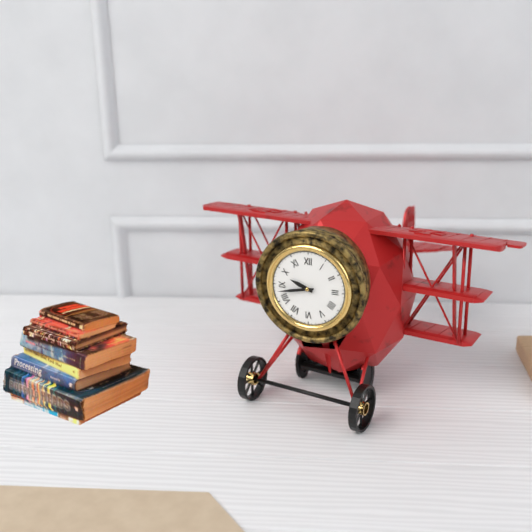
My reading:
9h43
